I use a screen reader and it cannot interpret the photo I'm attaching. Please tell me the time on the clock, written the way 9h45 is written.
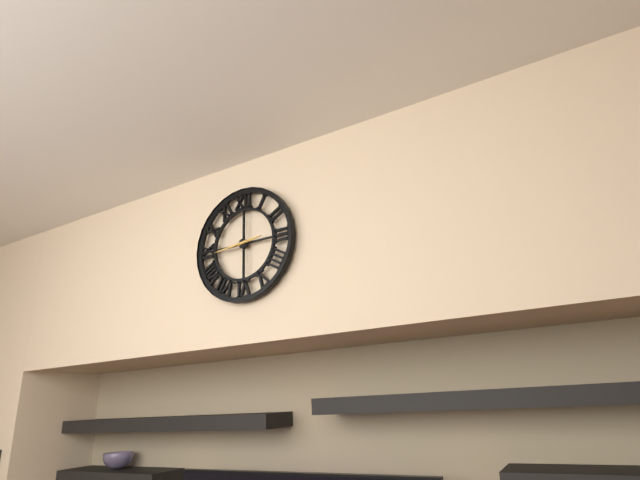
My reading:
2h44
